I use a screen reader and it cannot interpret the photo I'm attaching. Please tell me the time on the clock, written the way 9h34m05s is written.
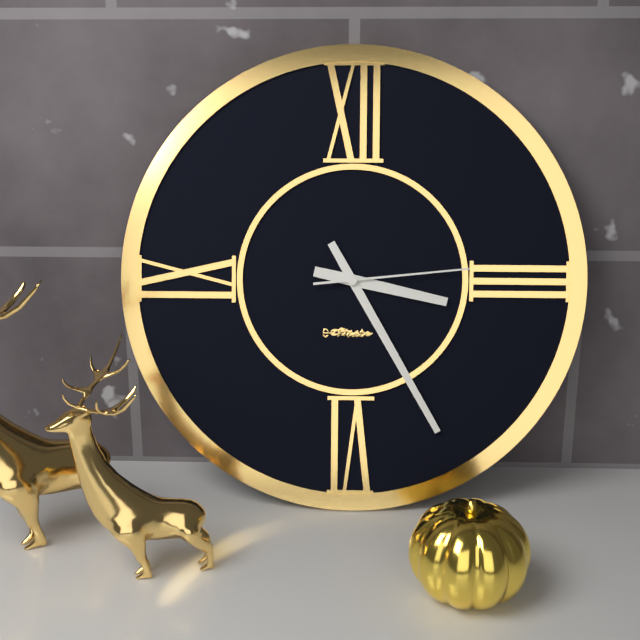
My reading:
3h25m14s
